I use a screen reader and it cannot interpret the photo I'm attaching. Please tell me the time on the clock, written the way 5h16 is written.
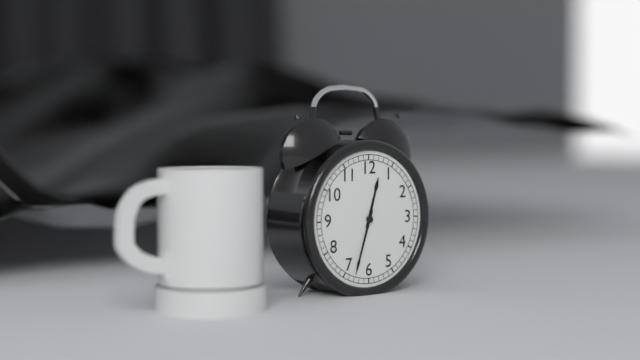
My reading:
12h33
